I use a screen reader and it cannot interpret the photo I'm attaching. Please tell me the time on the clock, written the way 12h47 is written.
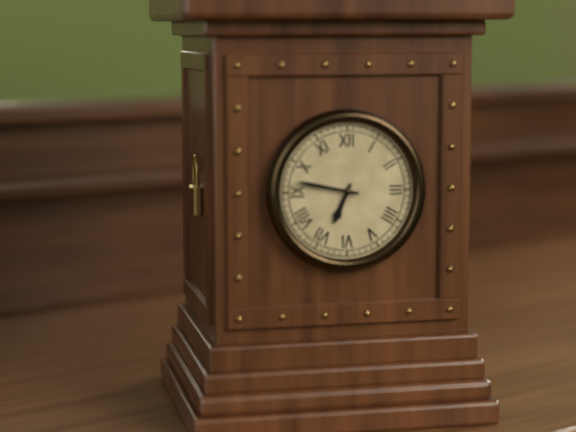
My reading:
6h47
